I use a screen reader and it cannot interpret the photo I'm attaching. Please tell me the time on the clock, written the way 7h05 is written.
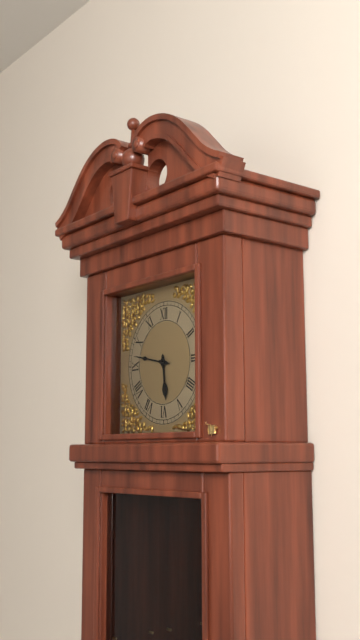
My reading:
5h47
